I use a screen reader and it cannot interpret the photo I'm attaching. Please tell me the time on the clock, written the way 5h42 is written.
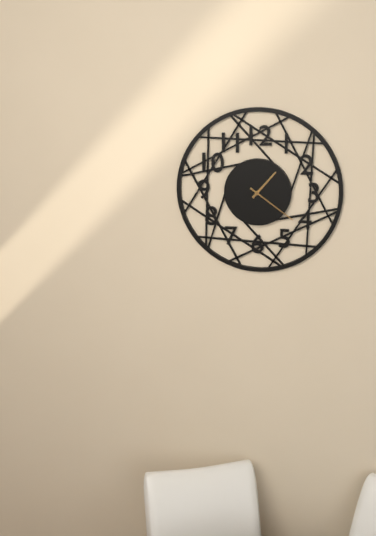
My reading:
1h21
